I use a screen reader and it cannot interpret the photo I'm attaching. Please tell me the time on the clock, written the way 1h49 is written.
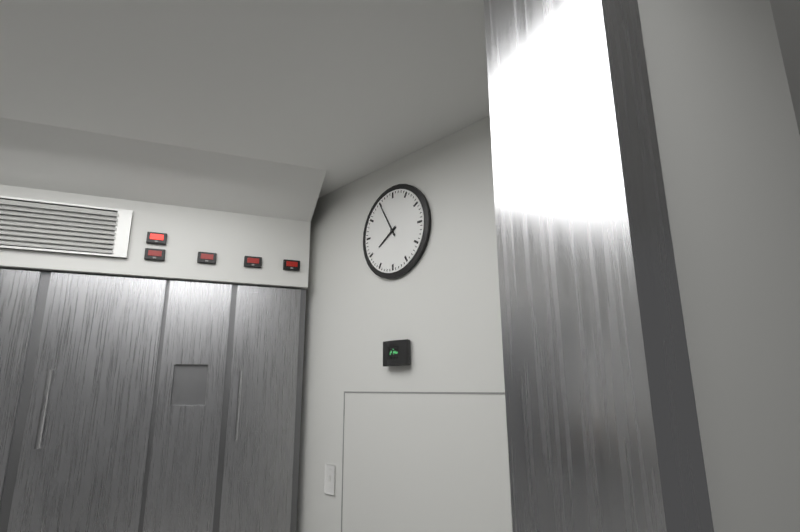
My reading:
7h55
